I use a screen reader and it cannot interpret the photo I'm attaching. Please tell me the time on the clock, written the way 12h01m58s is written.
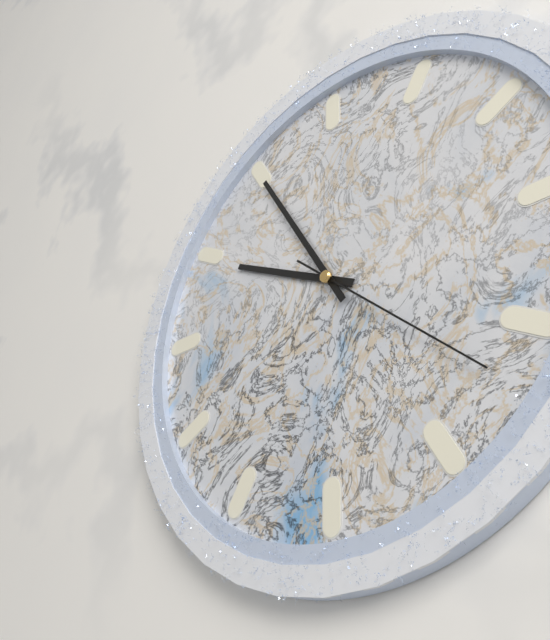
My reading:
9h55m22s
